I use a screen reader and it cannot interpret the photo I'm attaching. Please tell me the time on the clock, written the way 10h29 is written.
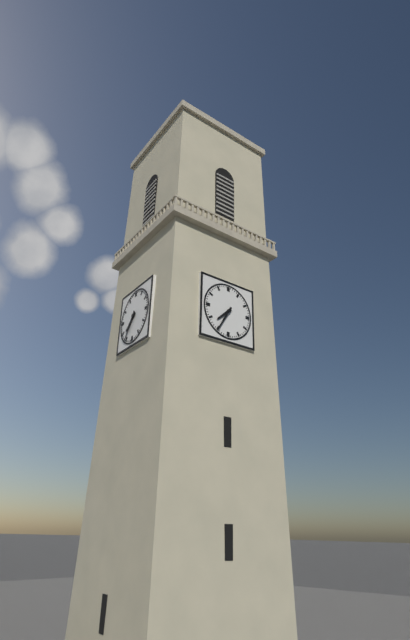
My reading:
7h35
